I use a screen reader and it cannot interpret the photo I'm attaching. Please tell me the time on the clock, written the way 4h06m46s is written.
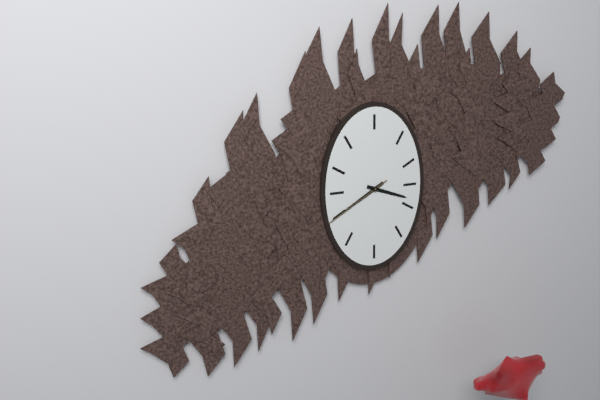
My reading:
3h40m40s
